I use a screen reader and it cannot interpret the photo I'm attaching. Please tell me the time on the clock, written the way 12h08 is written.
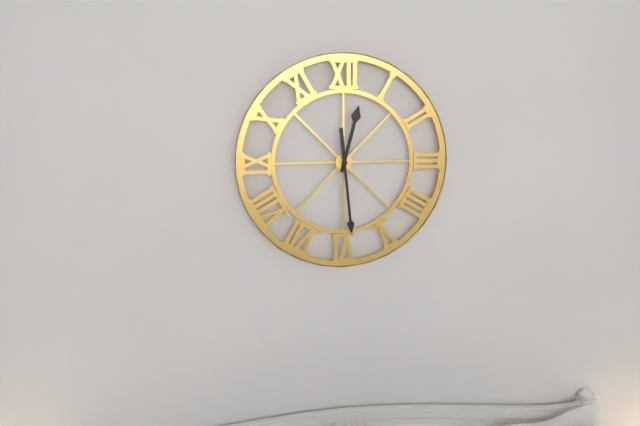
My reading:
12h29
